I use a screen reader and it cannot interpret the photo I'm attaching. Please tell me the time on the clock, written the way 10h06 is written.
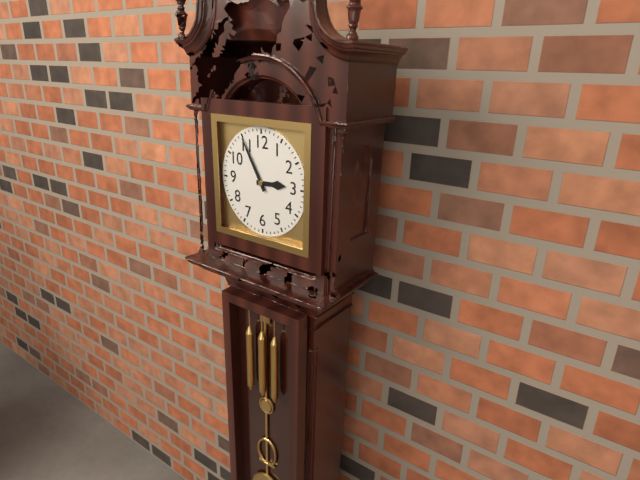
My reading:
2h55
